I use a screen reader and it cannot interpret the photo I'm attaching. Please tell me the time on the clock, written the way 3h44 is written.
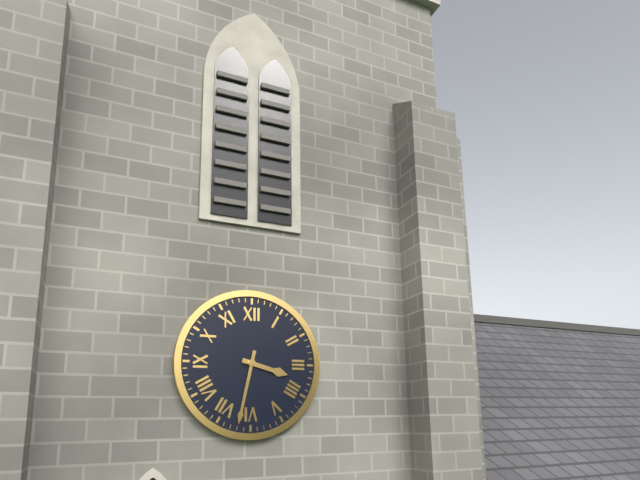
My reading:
3h32
